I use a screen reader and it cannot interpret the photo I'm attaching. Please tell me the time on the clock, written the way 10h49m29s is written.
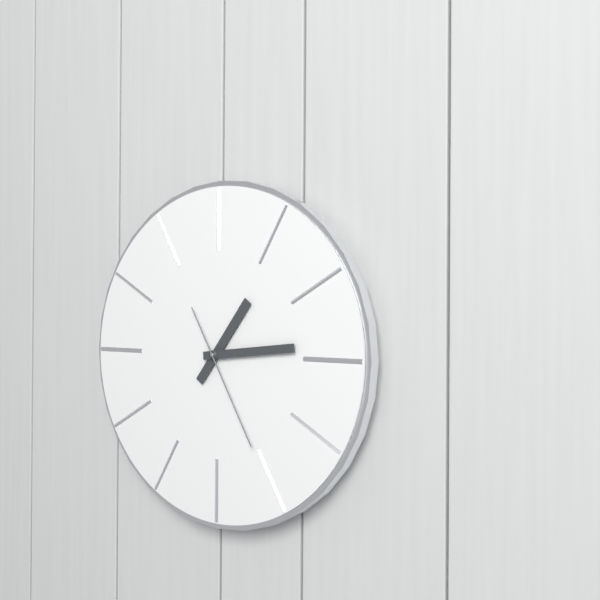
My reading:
1h14m25s
